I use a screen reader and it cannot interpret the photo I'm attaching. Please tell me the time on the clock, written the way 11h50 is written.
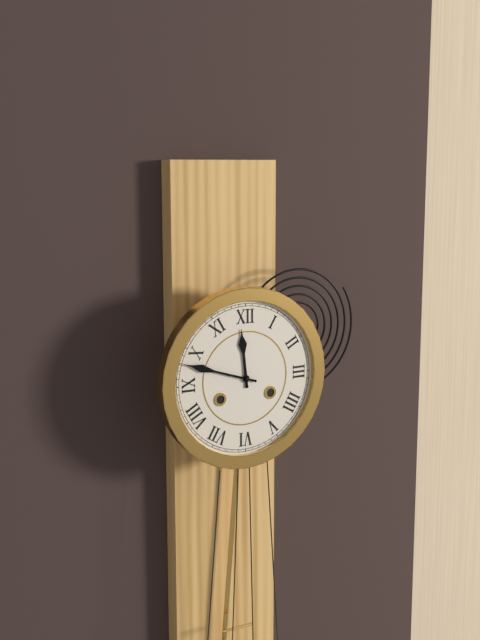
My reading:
11h48
